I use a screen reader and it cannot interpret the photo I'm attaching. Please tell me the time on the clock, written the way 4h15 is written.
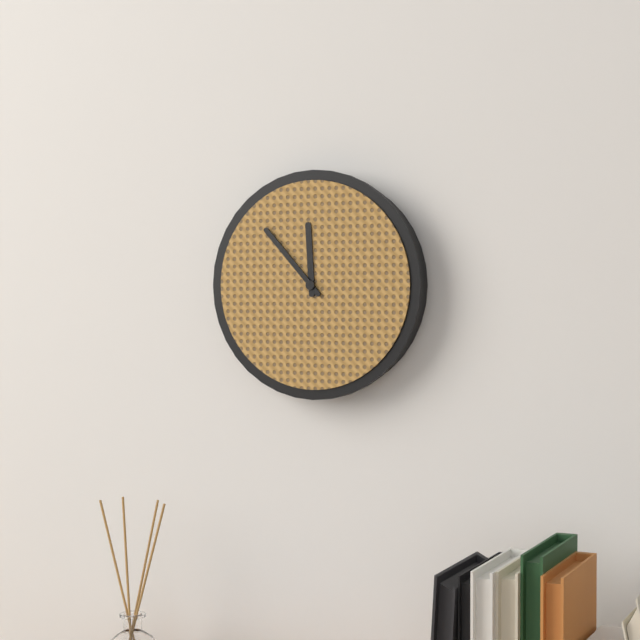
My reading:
11h53
